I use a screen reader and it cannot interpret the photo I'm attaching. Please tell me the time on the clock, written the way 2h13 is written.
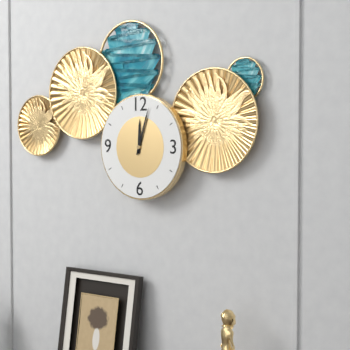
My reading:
12h03
